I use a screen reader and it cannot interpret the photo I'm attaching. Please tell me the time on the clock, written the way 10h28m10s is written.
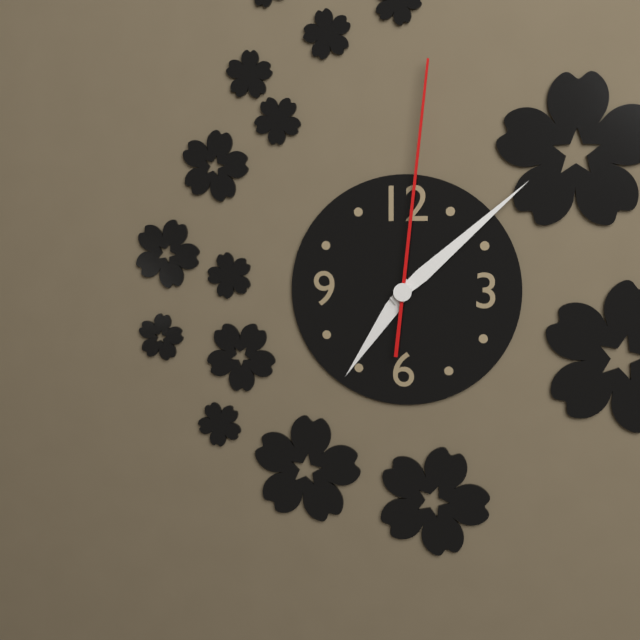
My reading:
7h08m01s
